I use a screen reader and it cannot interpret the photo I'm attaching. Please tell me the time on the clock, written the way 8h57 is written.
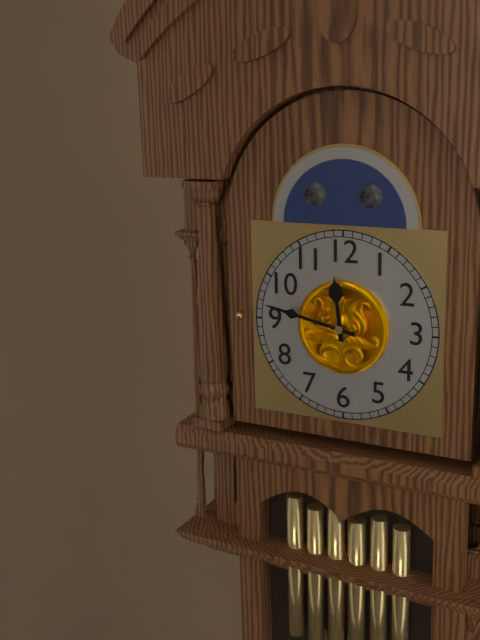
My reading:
11h47
